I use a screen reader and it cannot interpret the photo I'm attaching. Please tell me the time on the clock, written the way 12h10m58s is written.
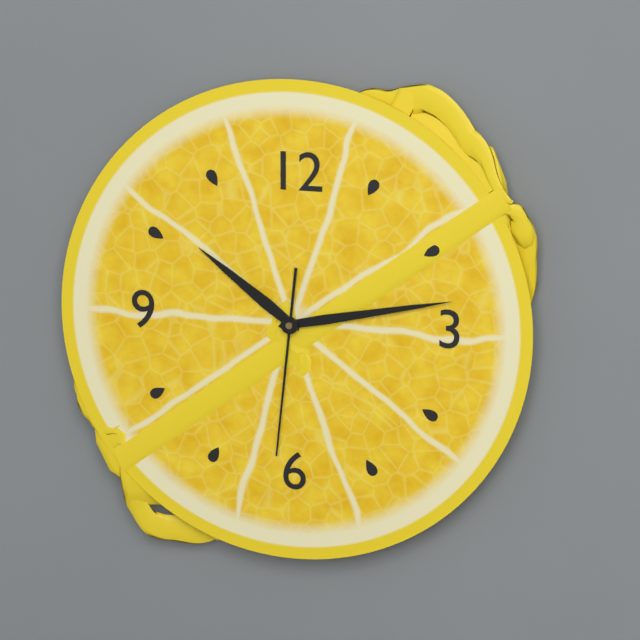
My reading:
10h13m31s
